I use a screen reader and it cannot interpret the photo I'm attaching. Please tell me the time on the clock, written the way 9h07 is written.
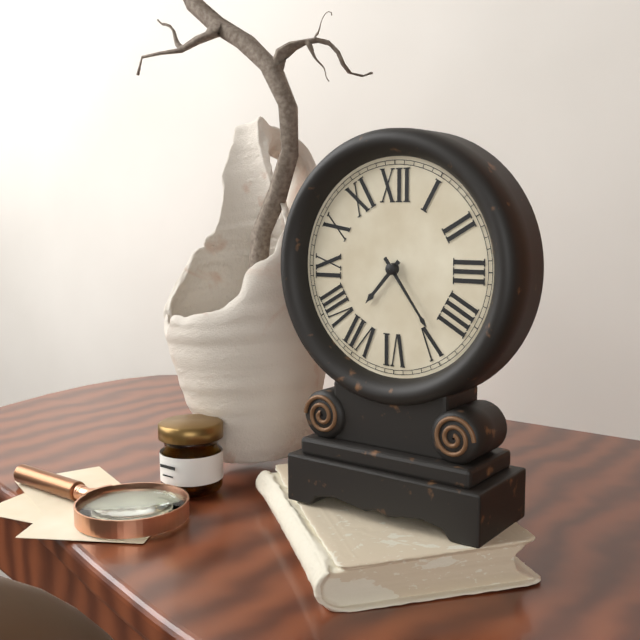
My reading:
7h24
